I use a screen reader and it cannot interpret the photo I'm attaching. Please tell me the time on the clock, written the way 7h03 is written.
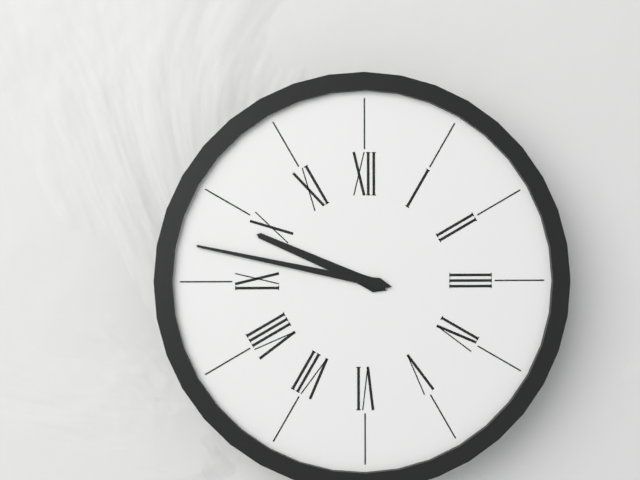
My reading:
9h47
